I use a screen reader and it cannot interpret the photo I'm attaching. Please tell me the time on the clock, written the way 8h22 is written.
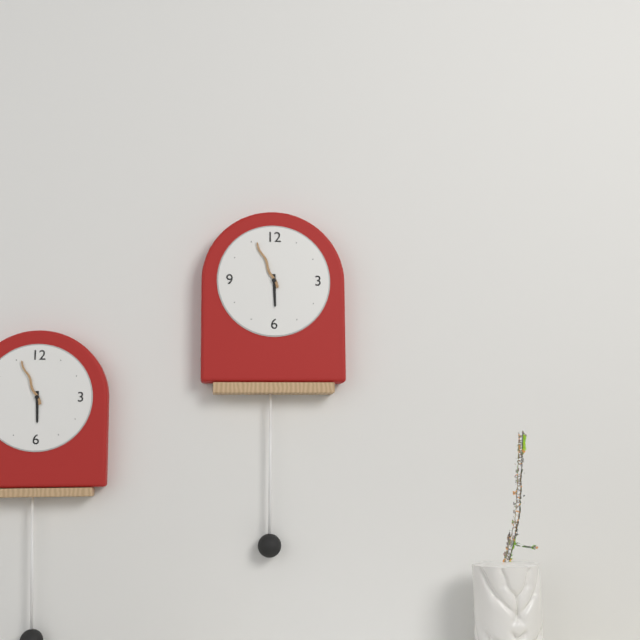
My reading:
5h56
